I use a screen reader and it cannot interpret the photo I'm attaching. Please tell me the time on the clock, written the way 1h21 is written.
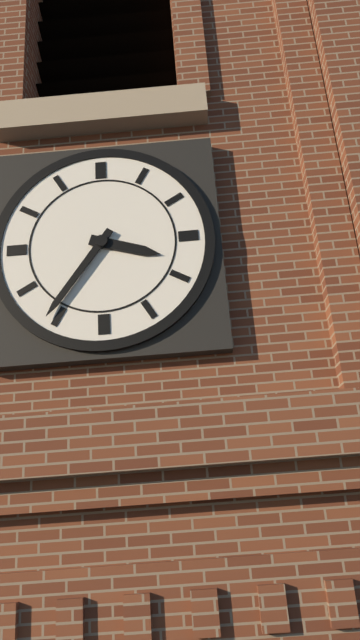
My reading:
3h36
